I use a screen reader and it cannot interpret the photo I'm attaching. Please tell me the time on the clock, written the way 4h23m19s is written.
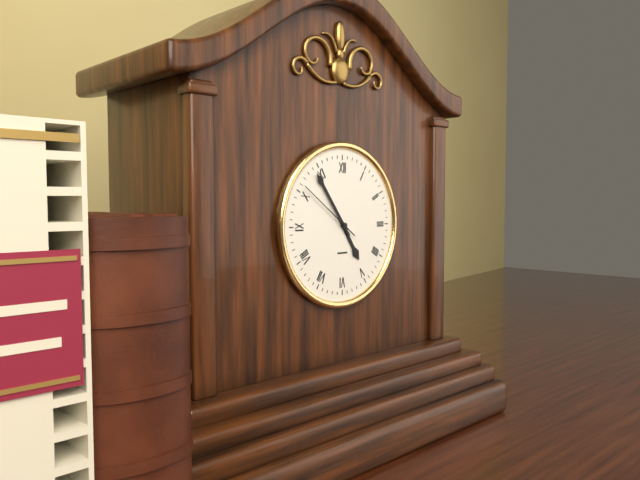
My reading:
4h54m51s
